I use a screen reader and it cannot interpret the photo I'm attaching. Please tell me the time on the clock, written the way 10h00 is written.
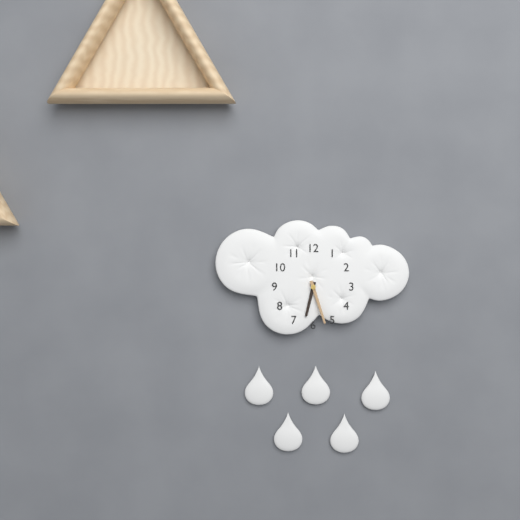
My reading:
6h27
